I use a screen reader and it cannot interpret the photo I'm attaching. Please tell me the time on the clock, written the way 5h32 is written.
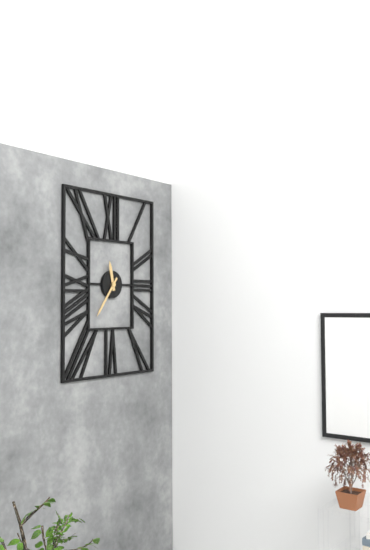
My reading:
11h36
